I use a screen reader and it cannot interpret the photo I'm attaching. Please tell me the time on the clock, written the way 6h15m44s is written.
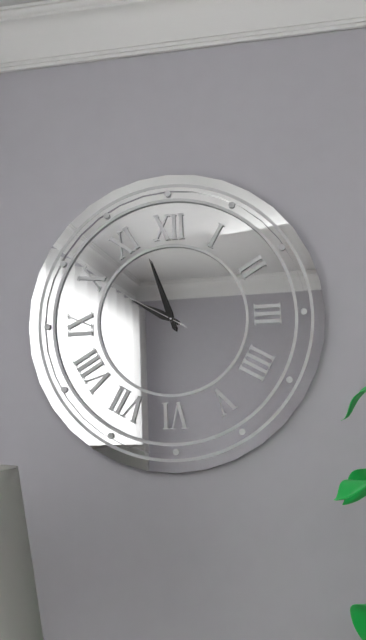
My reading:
9h57m50s
